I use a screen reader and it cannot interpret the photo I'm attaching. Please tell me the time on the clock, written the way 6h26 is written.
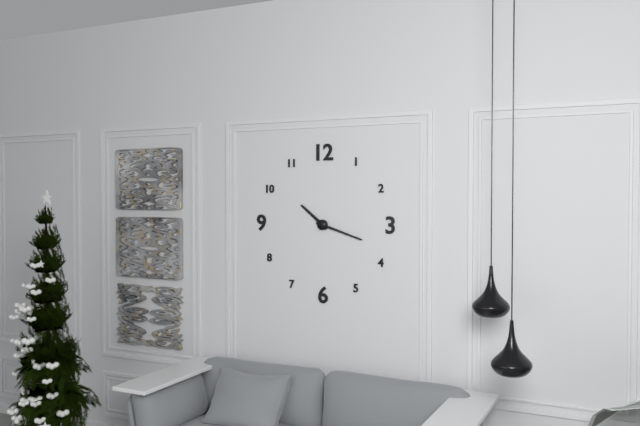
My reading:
10h18
